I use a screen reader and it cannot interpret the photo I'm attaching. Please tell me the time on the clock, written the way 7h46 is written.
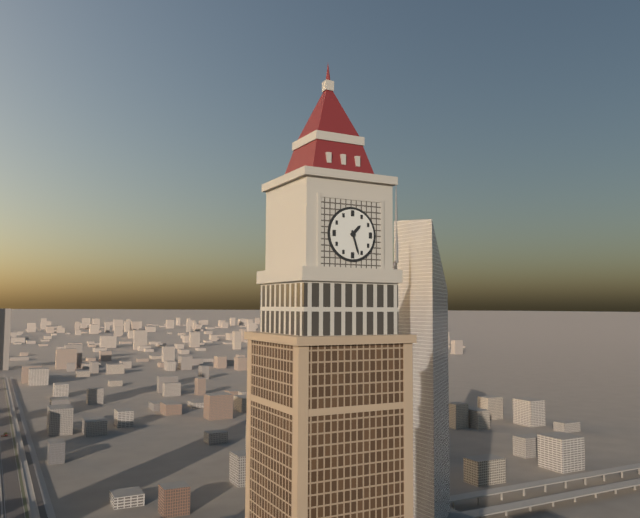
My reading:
1h27
